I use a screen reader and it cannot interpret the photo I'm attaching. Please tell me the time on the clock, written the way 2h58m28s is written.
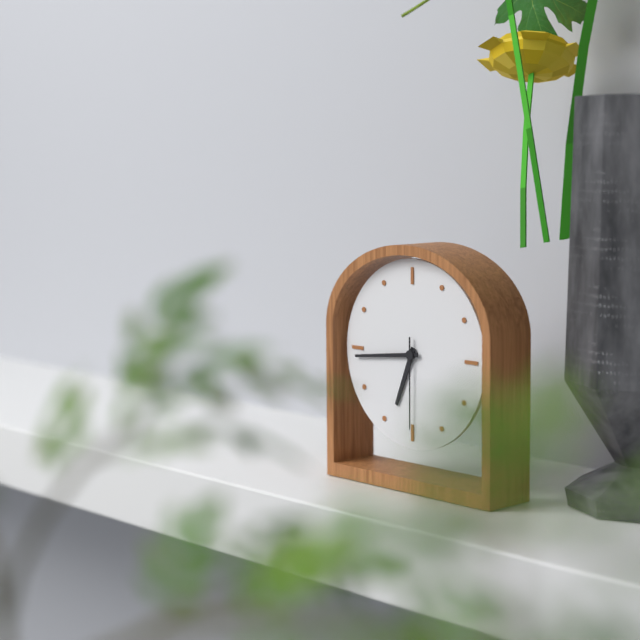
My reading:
6h44m30s
